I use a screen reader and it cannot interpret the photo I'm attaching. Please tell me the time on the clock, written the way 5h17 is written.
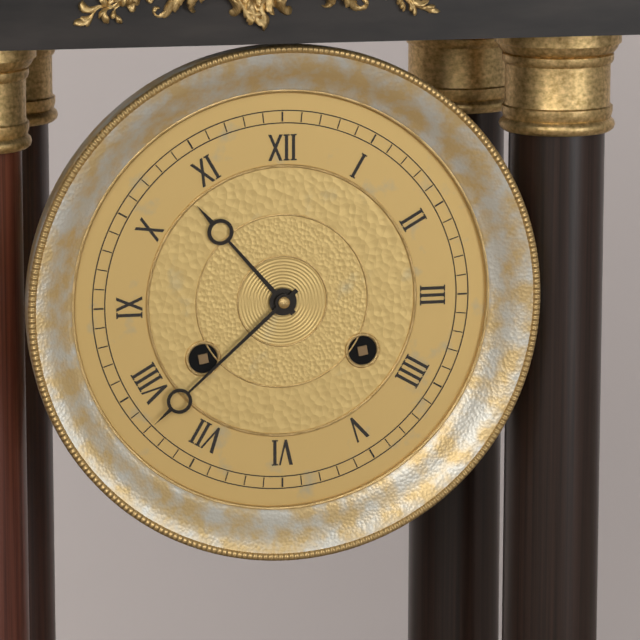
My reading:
10h38
